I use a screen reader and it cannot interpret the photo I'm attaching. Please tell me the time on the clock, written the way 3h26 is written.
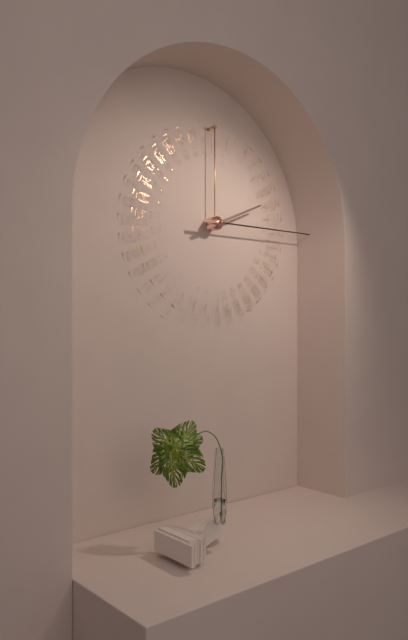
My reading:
2h15
